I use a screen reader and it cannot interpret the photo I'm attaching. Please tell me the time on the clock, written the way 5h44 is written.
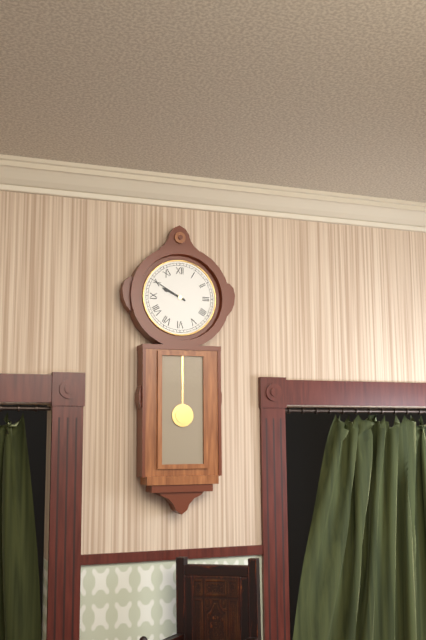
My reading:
9h50
